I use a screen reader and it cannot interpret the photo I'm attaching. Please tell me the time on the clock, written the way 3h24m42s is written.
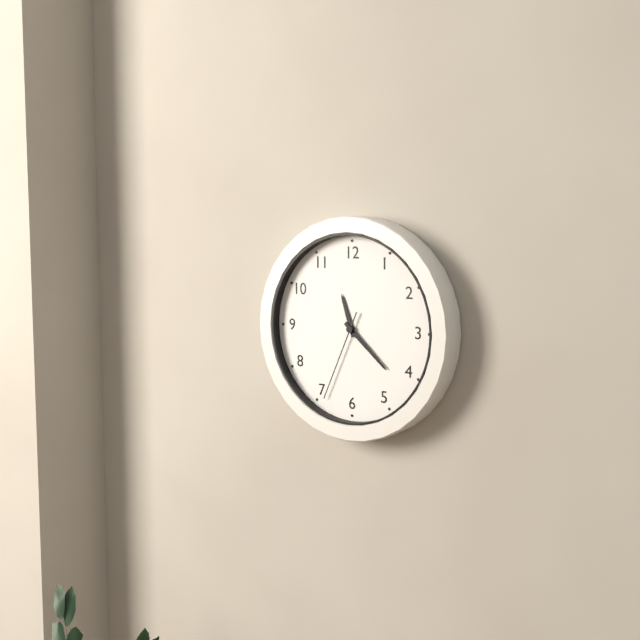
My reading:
11h22m34s
